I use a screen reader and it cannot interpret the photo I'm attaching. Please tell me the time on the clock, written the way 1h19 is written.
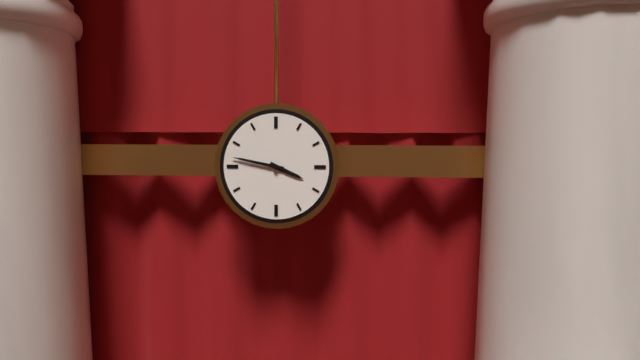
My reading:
3h47
